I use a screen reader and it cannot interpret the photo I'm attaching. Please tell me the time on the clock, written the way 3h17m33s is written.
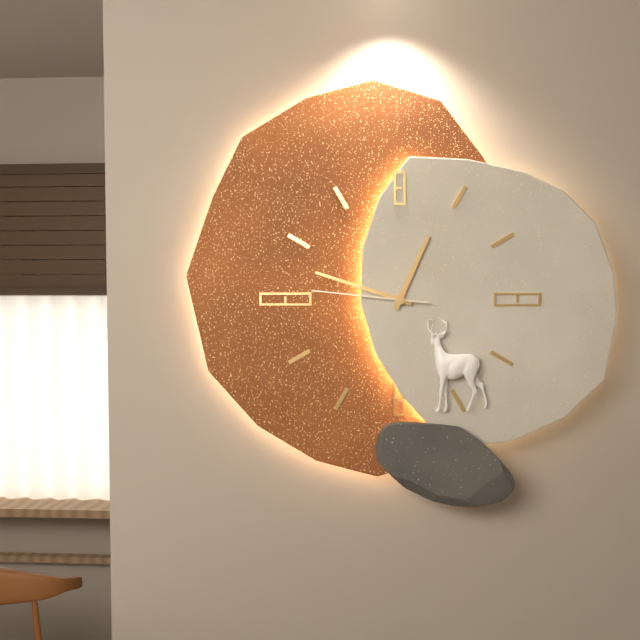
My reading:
12h48m46s
